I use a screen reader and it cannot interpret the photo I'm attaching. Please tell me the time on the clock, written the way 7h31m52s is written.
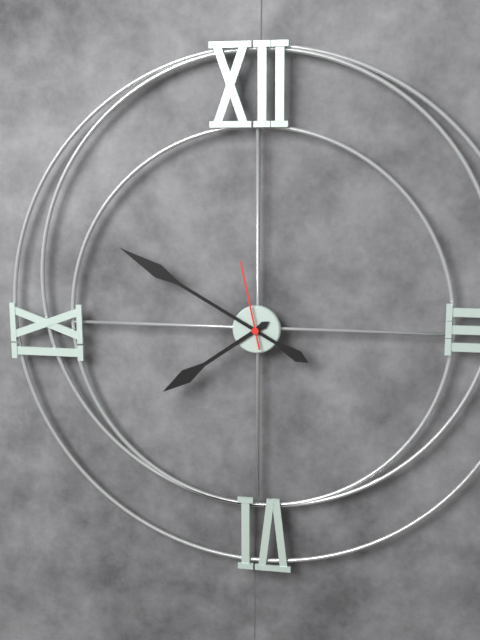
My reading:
7h50m58s
